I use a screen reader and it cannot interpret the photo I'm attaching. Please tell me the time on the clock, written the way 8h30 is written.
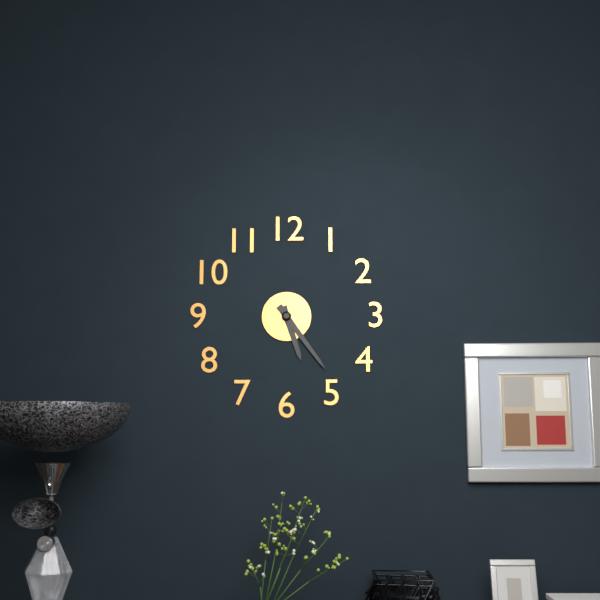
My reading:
5h24
